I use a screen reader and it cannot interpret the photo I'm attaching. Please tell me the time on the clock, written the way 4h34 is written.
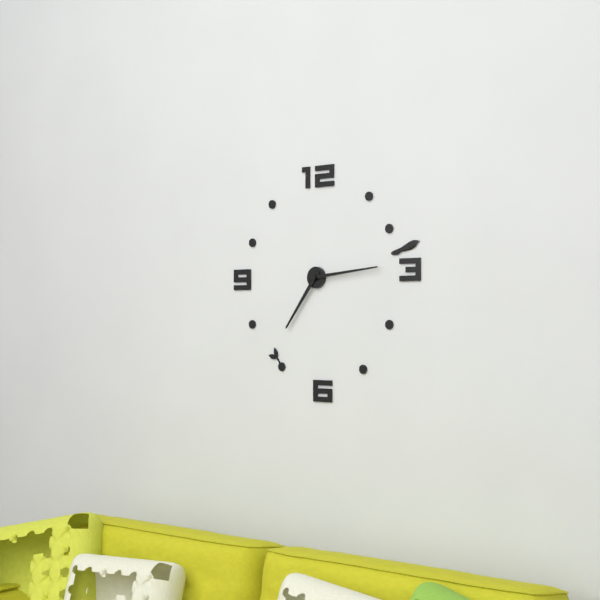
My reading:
7h14
